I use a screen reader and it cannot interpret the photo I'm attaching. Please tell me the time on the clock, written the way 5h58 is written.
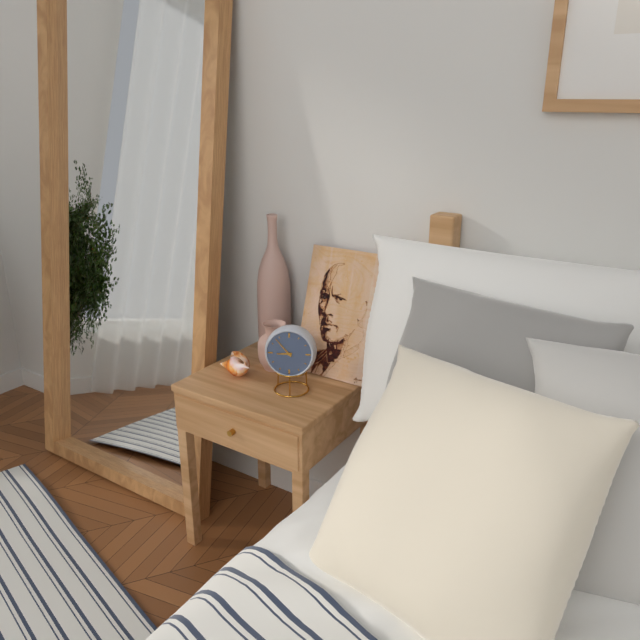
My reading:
8h53
